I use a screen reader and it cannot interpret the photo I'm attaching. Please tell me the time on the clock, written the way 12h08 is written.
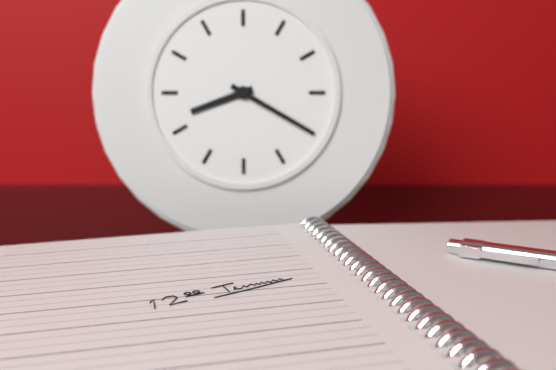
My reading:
8h20
